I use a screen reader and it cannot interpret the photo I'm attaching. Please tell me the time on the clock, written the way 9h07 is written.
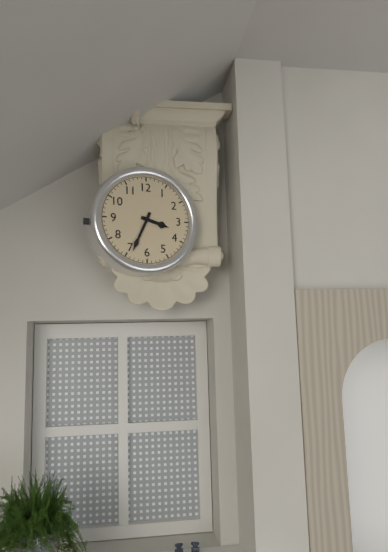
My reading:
3h34
